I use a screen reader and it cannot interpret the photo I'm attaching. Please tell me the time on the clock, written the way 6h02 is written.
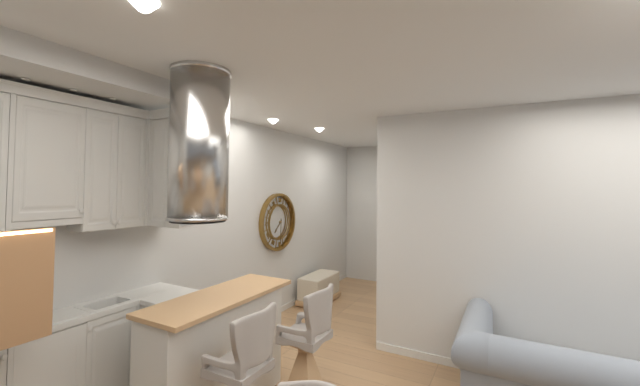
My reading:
7h30
